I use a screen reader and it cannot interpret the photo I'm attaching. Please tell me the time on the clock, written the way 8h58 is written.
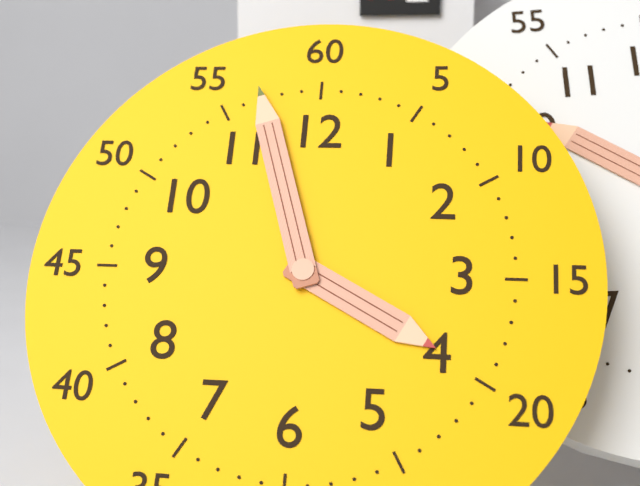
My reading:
3h57
